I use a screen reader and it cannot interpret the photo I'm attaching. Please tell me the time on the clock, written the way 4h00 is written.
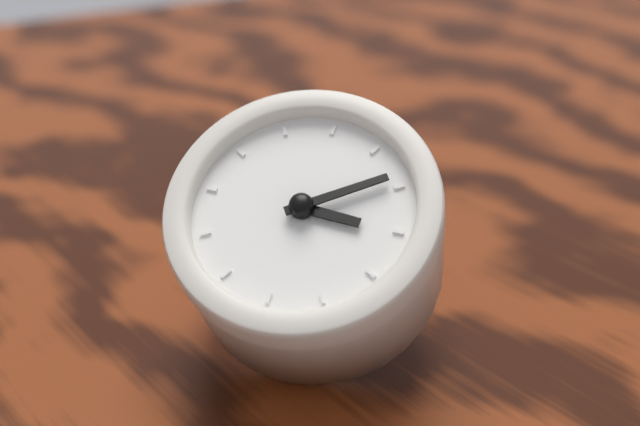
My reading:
2h04
